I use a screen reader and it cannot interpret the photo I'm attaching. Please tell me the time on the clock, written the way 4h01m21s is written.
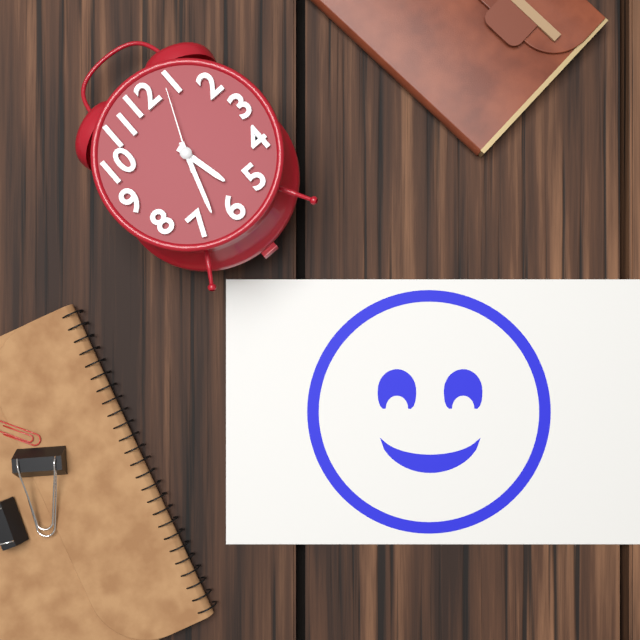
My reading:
5h33m04s
